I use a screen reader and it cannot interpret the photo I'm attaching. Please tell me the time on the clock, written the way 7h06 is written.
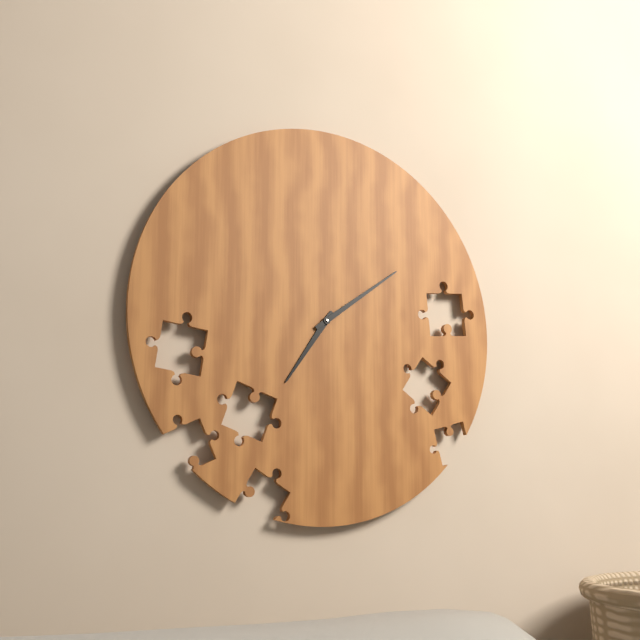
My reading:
7h09
